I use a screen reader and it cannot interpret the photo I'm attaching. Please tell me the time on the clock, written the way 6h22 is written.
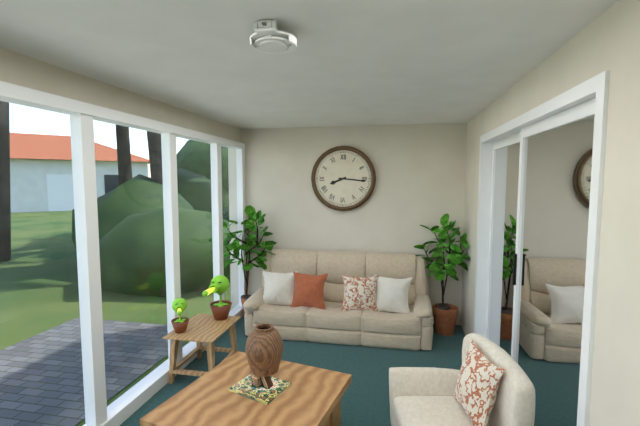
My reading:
8h16
